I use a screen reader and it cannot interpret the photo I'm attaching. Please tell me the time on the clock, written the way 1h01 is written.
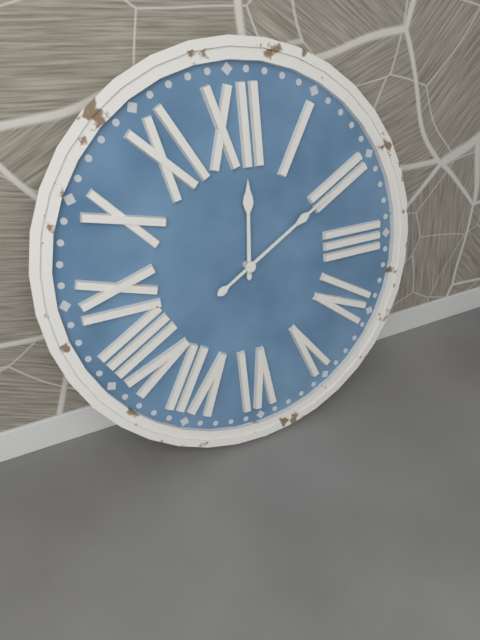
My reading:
12h10
